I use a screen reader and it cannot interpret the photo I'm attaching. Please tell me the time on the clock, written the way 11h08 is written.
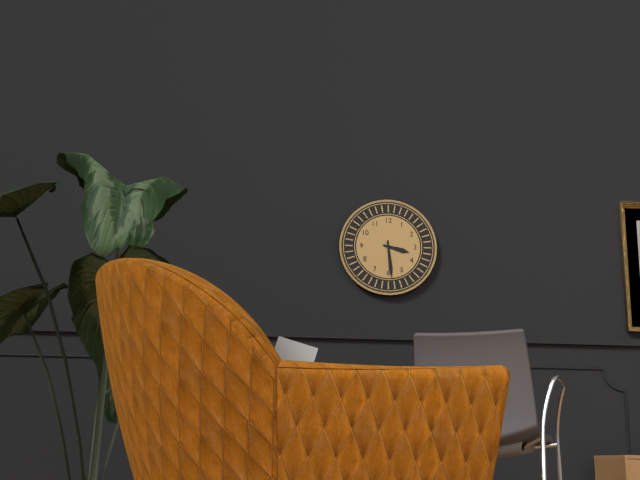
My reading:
3h29
